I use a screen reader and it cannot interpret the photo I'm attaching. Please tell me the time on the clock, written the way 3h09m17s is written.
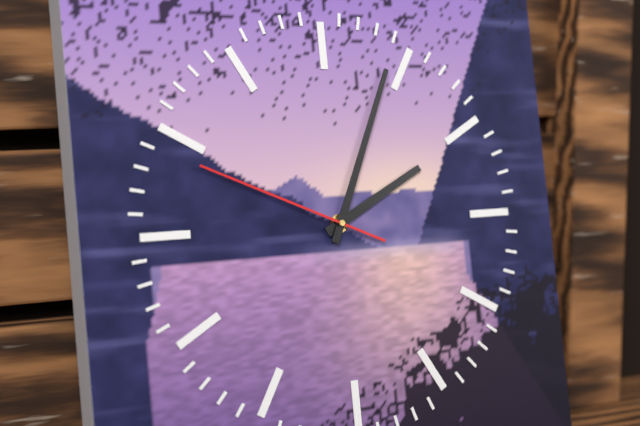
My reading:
2h04m49s
